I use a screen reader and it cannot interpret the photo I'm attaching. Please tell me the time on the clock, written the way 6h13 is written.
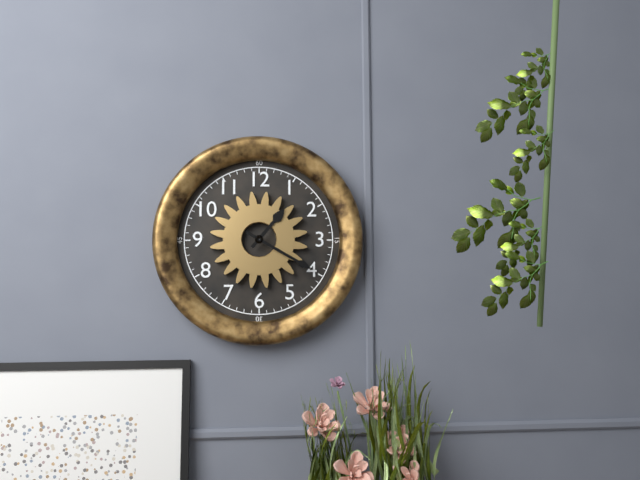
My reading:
1h20
